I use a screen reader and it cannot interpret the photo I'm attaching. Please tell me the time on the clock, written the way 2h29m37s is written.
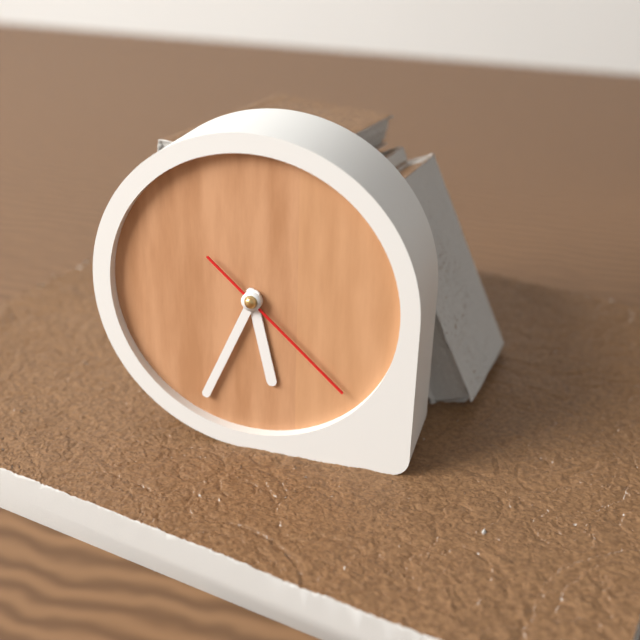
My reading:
5h34m22s
